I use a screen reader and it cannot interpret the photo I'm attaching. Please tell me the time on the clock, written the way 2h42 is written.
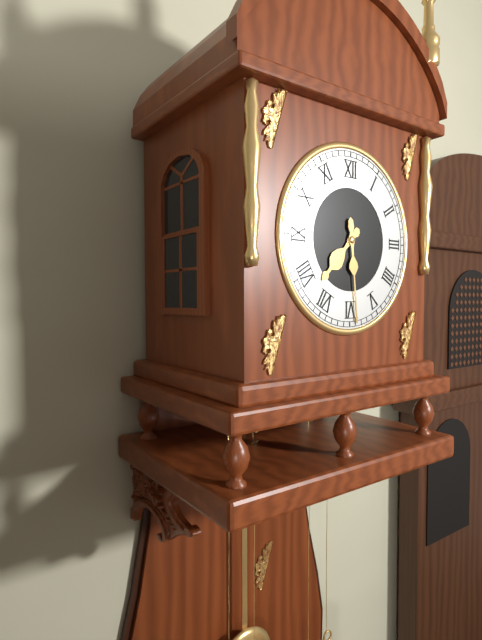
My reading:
7h29
